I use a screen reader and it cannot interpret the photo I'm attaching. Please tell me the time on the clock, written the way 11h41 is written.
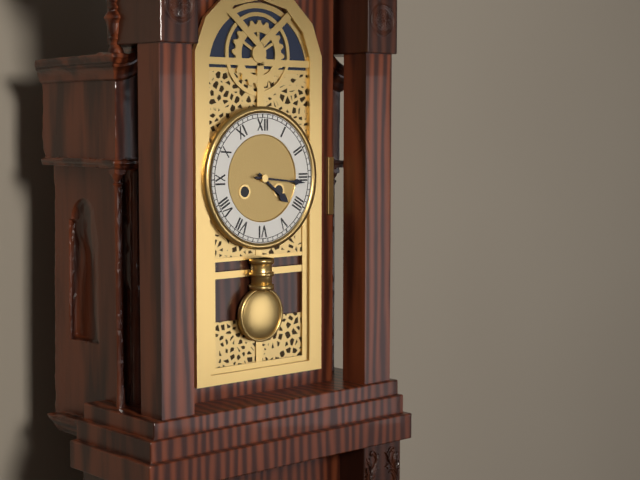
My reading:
4h16
